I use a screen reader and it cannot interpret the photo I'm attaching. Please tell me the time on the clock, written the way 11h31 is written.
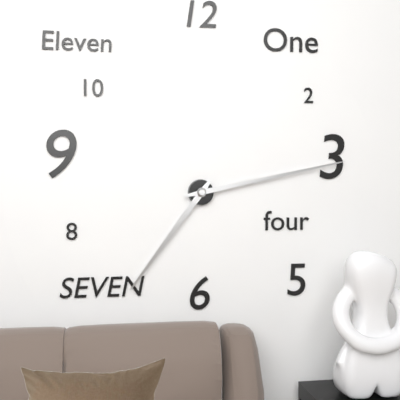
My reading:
7h13
